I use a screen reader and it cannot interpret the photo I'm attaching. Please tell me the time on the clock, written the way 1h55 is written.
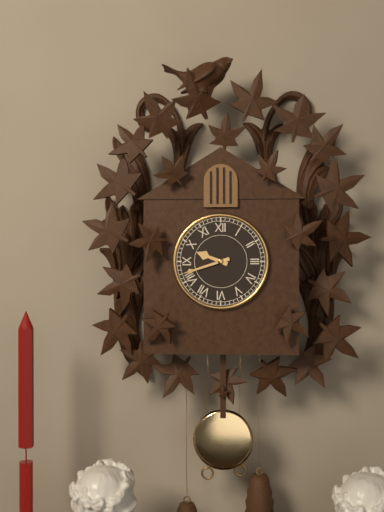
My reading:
9h42
